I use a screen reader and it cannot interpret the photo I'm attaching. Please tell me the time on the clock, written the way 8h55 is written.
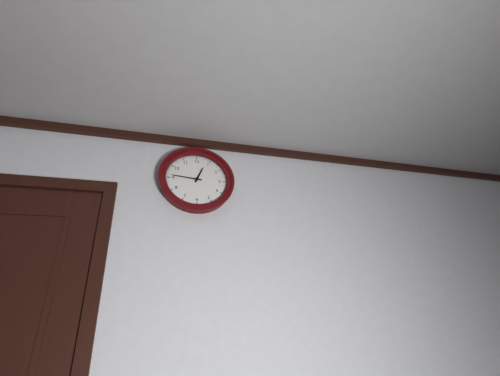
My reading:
12h46
